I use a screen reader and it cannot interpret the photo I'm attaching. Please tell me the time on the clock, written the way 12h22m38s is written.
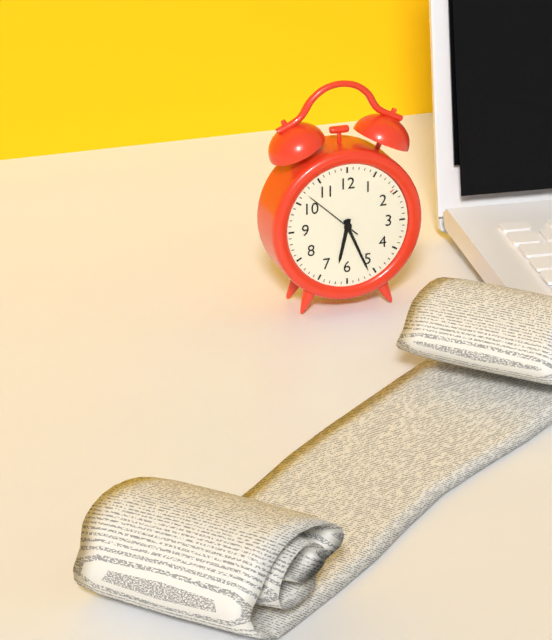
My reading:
6h26m52s
